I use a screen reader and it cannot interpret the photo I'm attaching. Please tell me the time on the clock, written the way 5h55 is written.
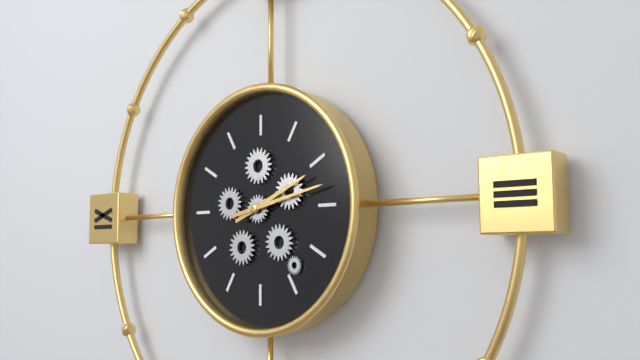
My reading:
2h13
